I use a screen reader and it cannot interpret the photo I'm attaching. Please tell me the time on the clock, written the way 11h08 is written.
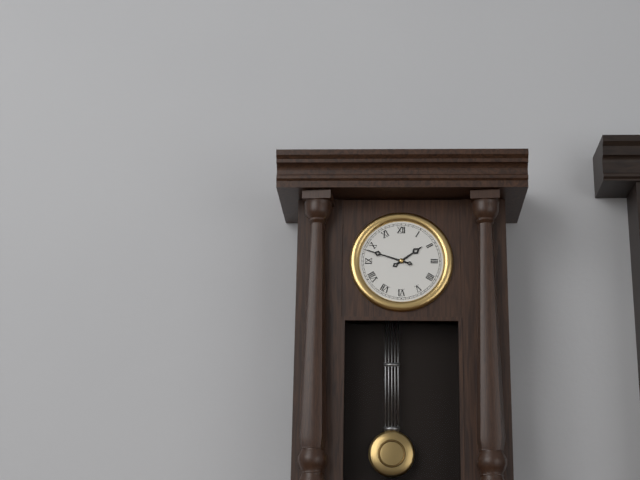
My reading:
1h48
